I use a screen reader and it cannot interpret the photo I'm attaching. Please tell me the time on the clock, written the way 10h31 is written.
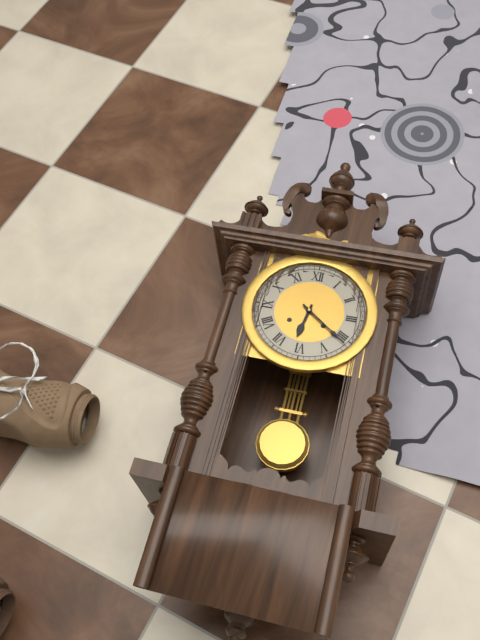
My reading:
6h21
